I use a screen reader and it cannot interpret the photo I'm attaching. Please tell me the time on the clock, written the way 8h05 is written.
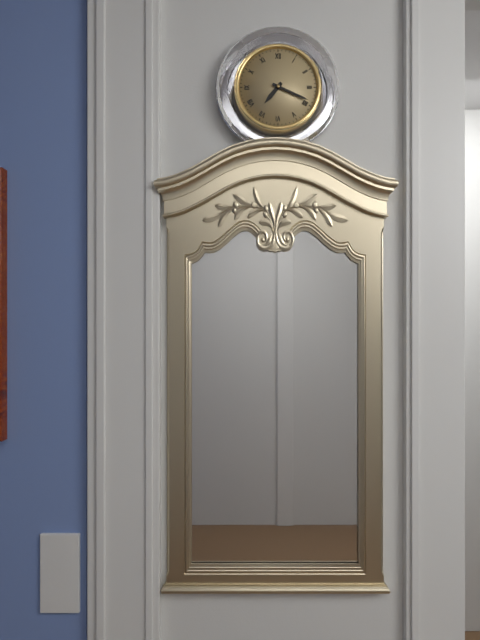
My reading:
7h19
